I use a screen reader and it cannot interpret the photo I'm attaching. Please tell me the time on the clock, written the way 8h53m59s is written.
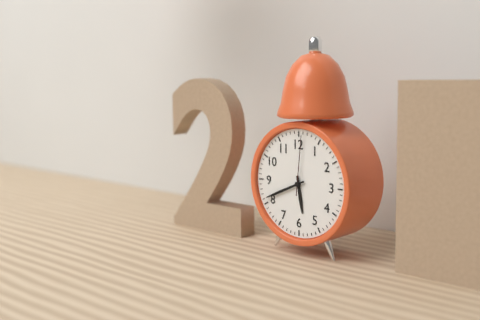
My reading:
5h41m01s
